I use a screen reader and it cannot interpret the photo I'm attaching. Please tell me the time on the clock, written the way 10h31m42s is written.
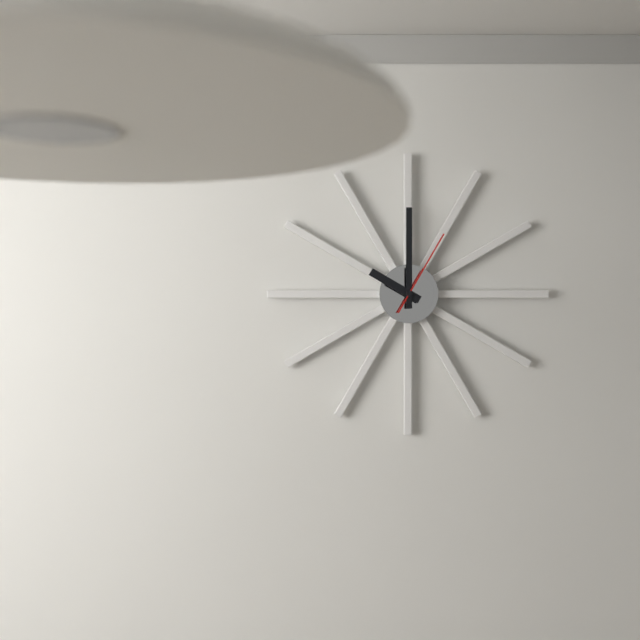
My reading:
10h00m05s
